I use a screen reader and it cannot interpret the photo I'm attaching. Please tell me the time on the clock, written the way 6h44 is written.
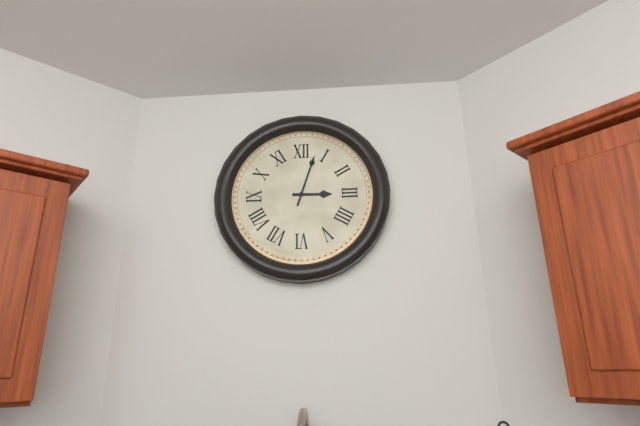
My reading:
3h03
